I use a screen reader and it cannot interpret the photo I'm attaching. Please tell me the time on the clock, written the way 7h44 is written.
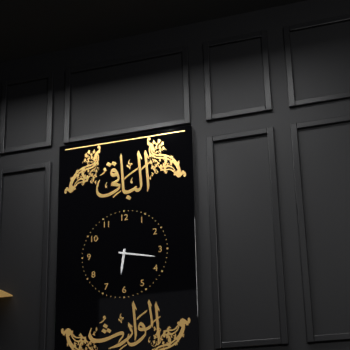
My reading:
6h17
